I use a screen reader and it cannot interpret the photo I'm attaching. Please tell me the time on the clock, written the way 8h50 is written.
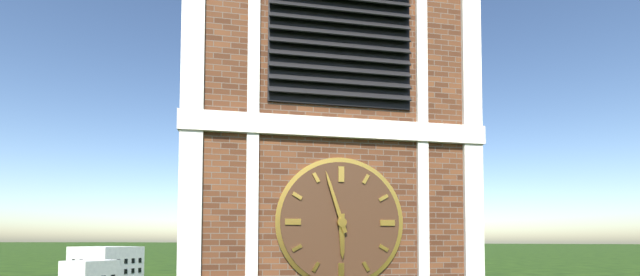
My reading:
5h57
